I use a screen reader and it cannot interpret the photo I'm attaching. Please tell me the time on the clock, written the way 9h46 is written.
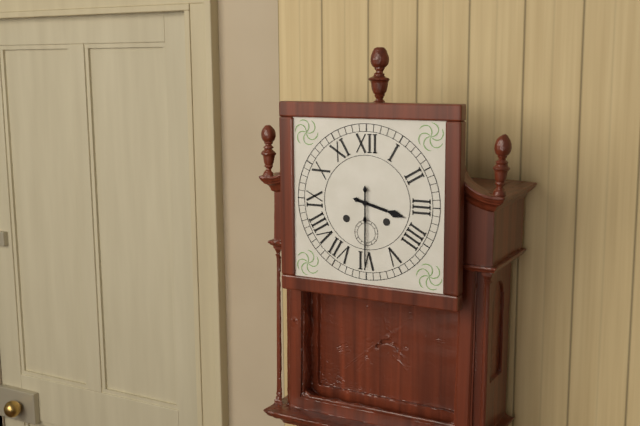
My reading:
3h30
